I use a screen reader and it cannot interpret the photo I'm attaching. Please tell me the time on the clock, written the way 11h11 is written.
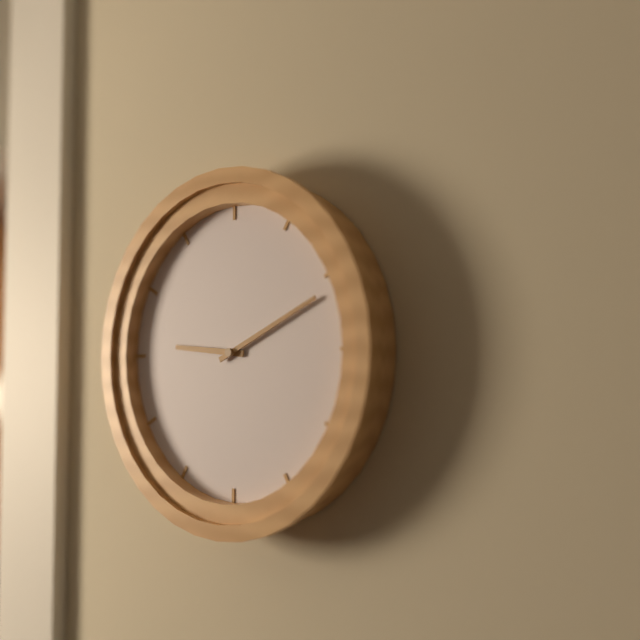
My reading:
9h11
